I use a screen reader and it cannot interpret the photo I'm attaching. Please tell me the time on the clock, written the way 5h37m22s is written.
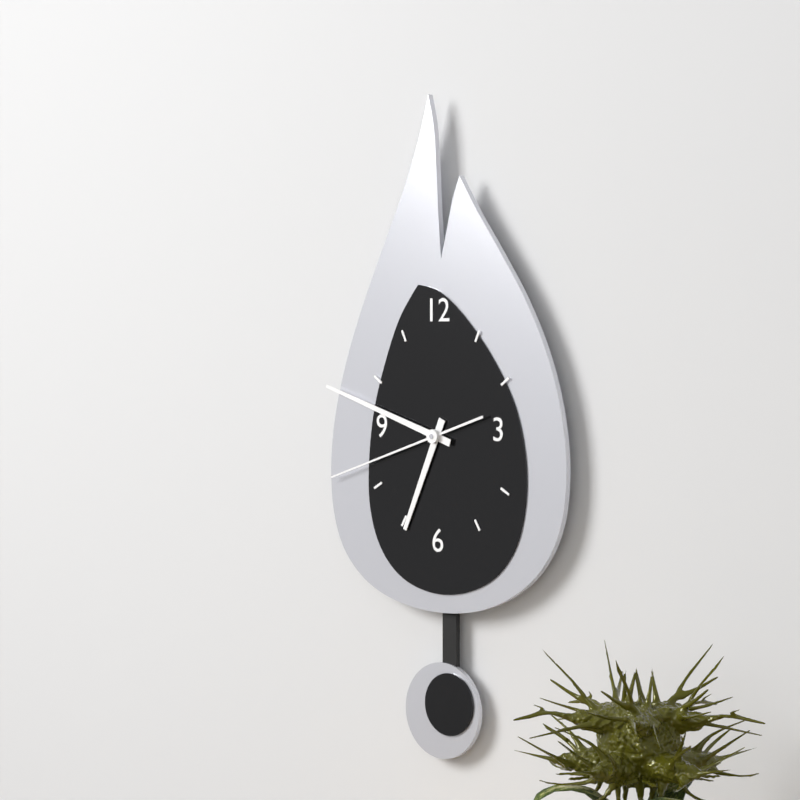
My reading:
6h48m42s
